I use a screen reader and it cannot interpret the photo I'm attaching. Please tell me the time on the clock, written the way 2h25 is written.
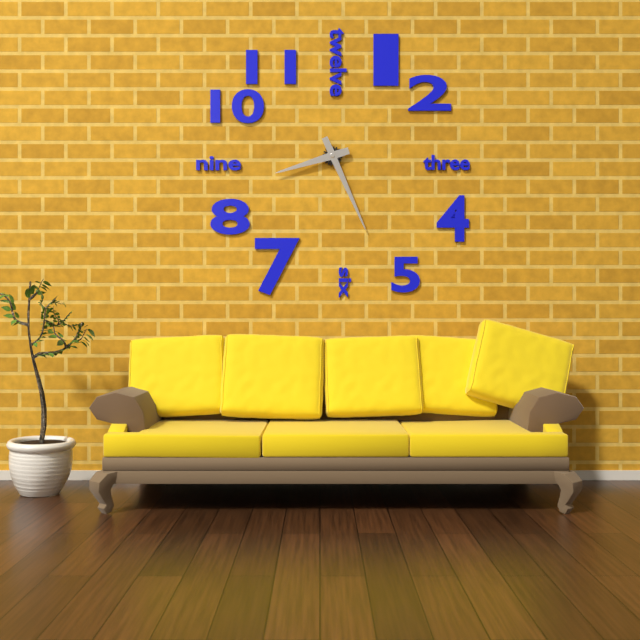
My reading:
8h26
